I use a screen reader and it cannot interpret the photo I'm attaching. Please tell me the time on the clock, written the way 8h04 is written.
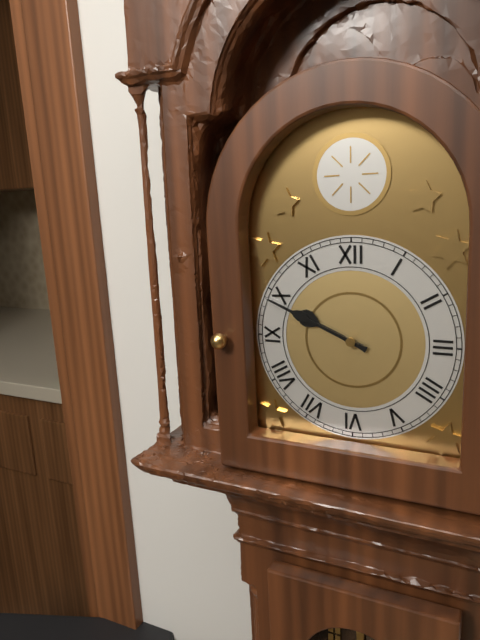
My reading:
9h49
